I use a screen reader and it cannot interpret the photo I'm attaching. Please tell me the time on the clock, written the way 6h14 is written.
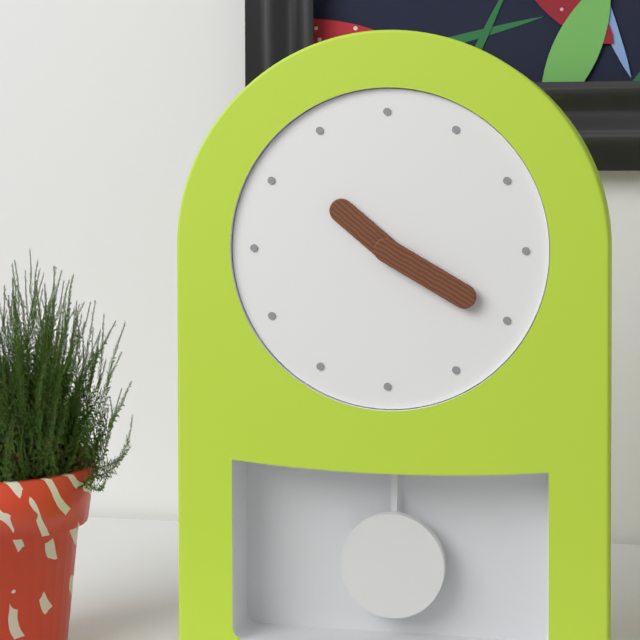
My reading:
10h20
